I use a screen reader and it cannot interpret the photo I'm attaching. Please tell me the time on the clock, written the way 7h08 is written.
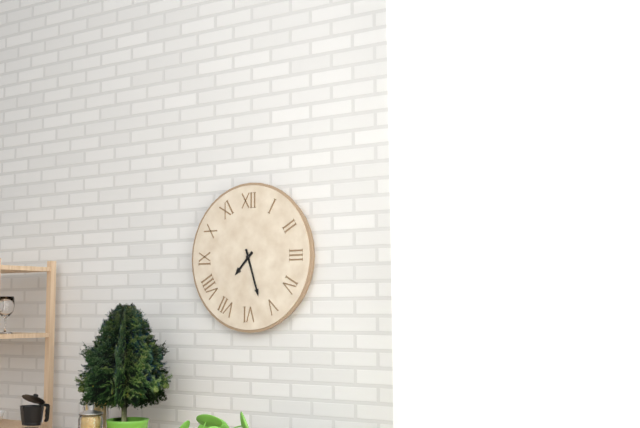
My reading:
7h27
